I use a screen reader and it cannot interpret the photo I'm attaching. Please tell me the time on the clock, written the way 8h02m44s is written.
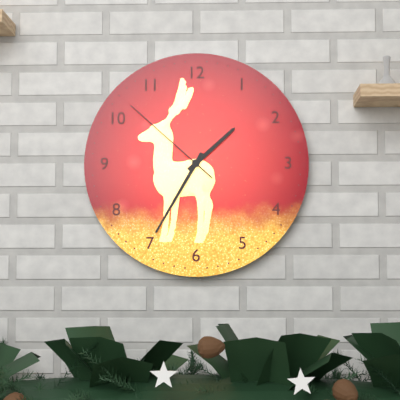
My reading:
1h35m52s
